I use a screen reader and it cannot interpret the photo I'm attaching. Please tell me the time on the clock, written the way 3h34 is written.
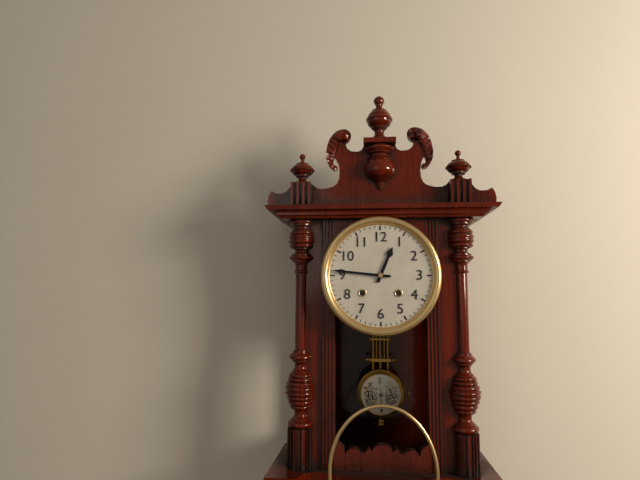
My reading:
12h46
